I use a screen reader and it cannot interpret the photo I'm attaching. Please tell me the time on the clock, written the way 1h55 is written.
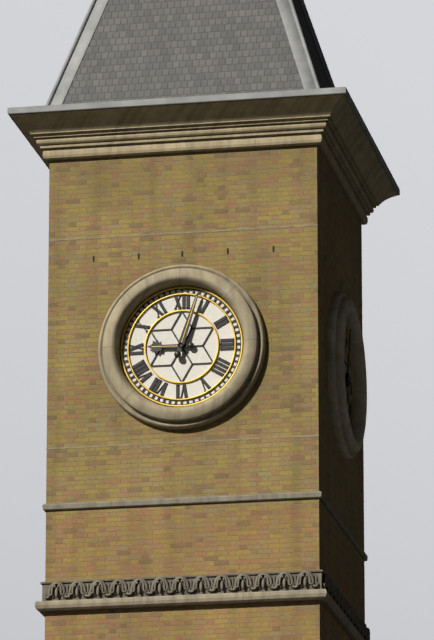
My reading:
9h03
